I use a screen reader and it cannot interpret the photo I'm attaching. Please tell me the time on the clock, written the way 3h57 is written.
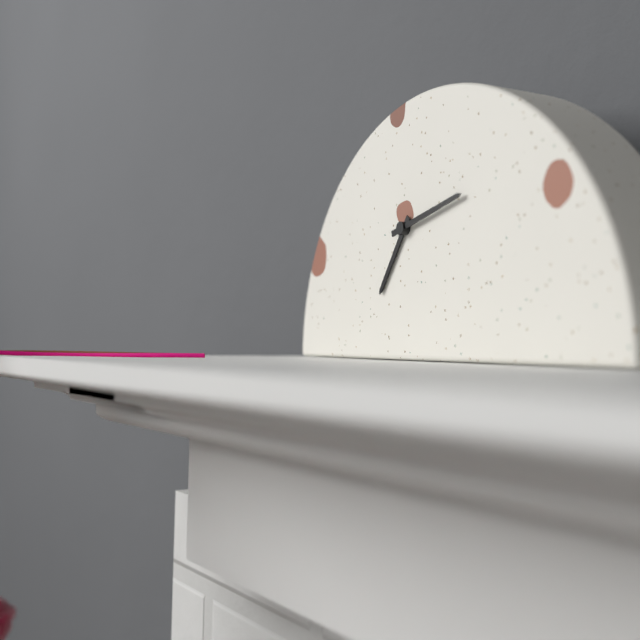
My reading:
7h13
